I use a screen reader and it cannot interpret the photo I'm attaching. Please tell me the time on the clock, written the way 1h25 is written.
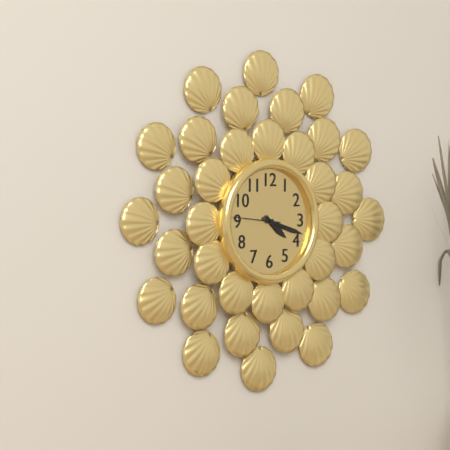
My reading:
4h18
